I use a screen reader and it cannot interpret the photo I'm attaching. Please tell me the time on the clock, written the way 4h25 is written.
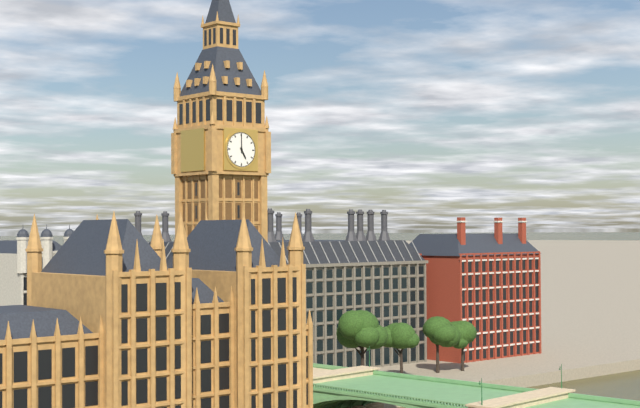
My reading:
5h00
